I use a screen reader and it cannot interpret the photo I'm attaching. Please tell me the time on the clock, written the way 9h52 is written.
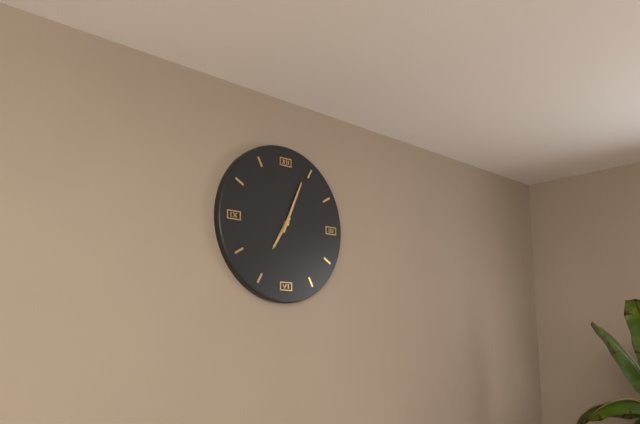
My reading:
7h04
